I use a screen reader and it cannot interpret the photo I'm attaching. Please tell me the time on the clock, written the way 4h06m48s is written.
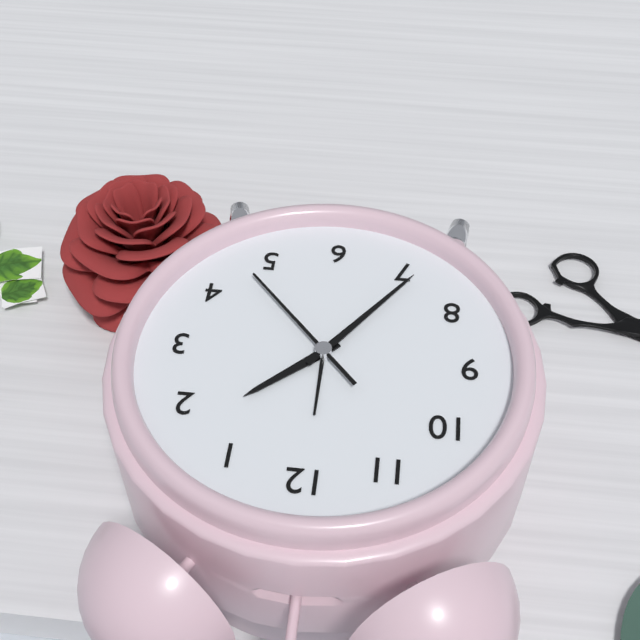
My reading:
1h36m23s
